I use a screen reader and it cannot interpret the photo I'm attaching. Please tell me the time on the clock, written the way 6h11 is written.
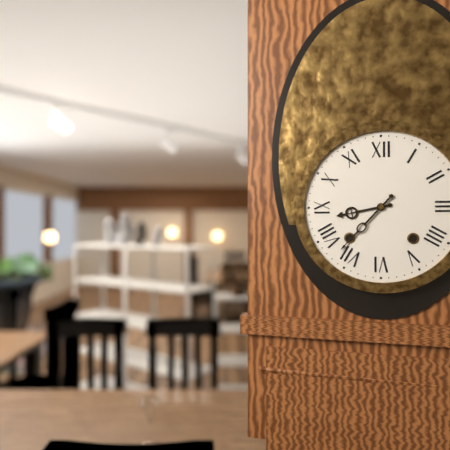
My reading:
8h37
